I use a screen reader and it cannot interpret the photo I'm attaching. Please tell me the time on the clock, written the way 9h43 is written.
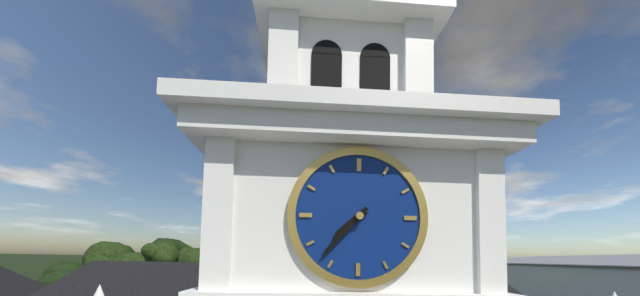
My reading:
7h37
